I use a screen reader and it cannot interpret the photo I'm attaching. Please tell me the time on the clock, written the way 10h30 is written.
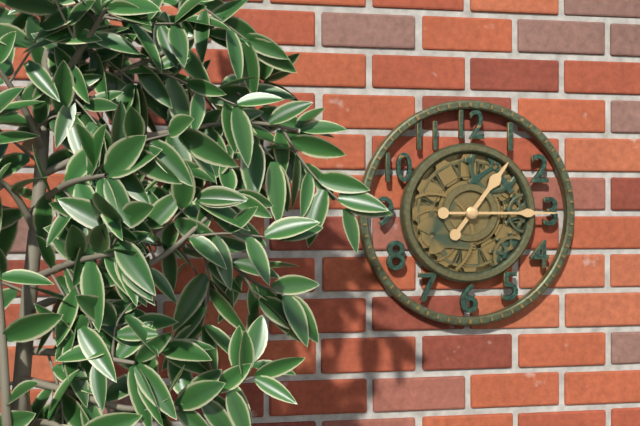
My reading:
1h15
